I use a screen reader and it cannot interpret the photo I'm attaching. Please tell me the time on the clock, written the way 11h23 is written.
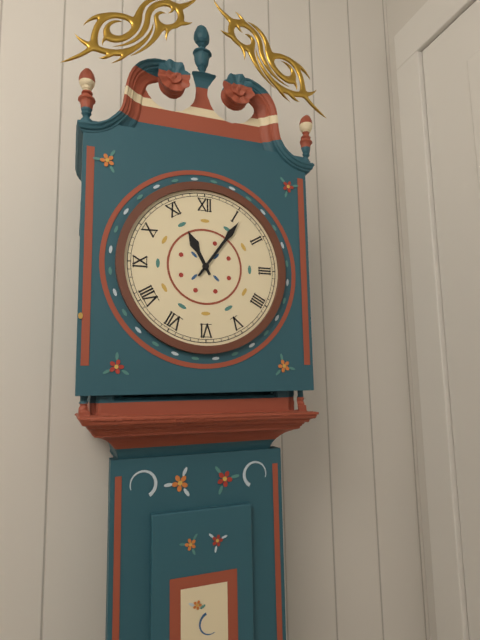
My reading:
11h06
